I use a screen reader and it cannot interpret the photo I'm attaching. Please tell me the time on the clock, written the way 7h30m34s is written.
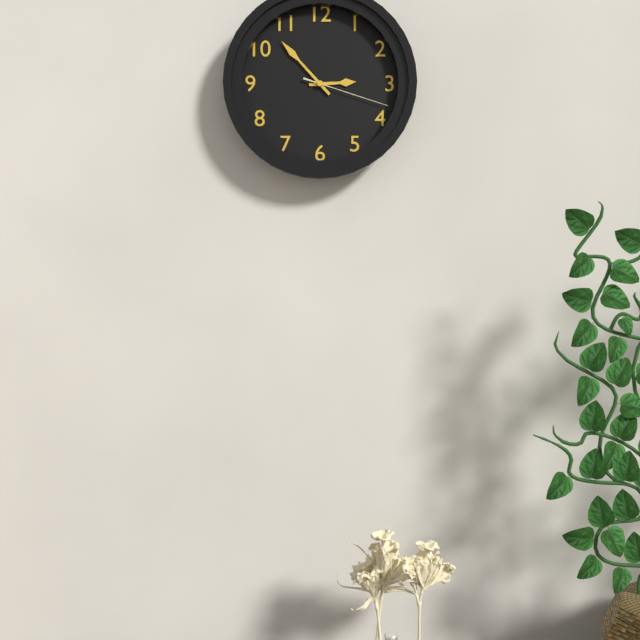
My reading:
2h53m18s
